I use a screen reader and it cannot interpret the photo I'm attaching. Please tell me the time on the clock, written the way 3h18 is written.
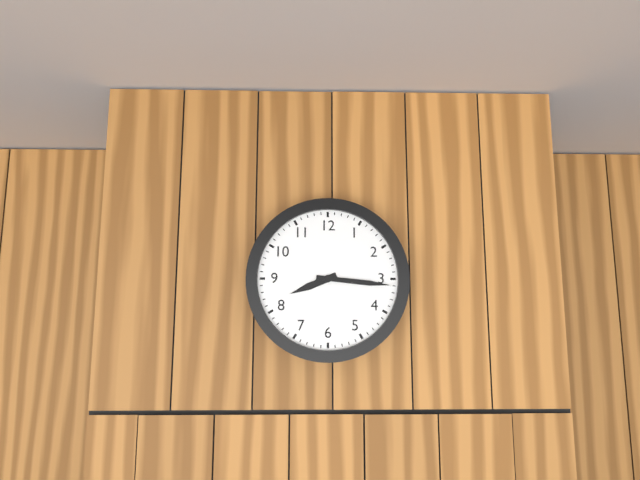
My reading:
8h16
